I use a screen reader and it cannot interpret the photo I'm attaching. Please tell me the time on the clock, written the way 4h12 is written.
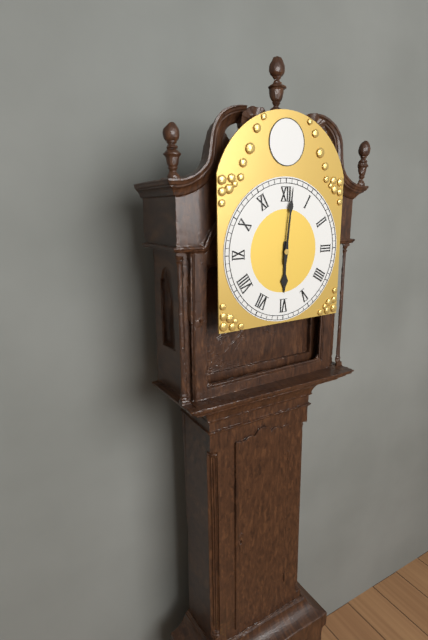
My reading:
6h01
